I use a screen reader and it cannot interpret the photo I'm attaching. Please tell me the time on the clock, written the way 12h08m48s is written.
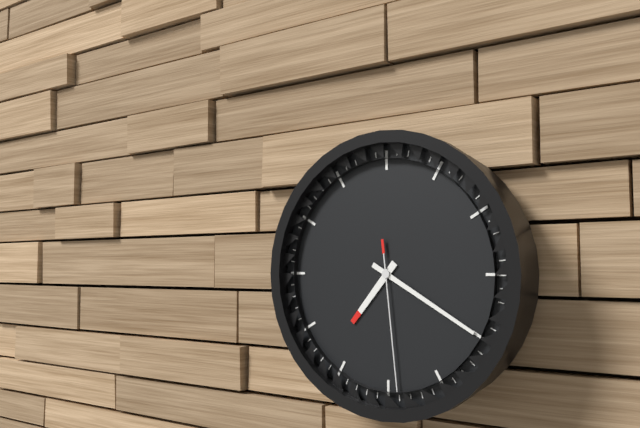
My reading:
7h20m29s
